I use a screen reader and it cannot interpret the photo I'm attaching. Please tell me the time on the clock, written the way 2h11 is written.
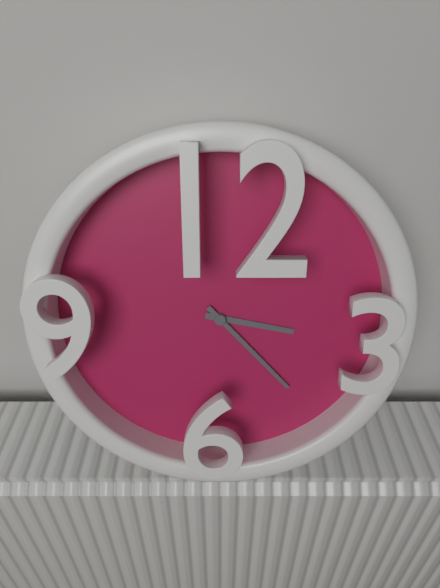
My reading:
3h23
